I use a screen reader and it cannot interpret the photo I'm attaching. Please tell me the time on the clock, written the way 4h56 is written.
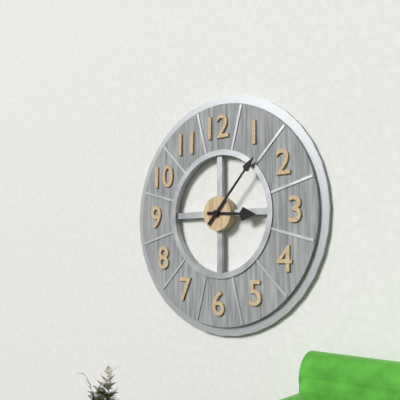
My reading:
3h07
